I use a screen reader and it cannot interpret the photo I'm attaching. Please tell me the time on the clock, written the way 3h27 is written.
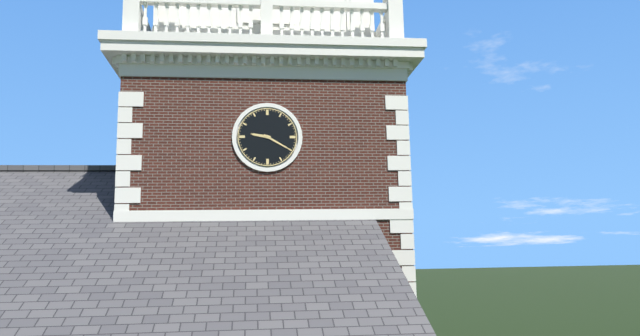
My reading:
9h20
